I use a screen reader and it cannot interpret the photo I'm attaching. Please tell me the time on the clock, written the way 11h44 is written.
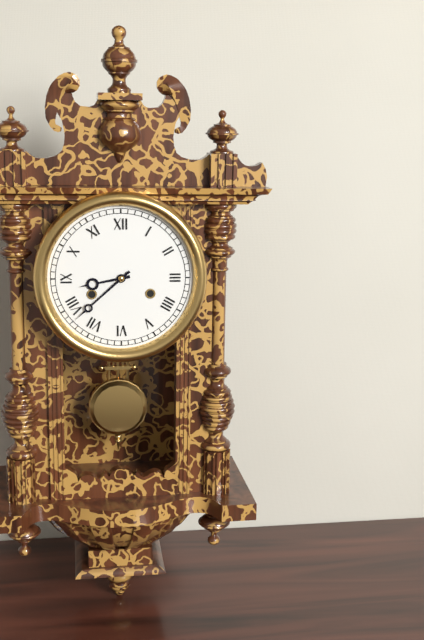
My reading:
8h38
